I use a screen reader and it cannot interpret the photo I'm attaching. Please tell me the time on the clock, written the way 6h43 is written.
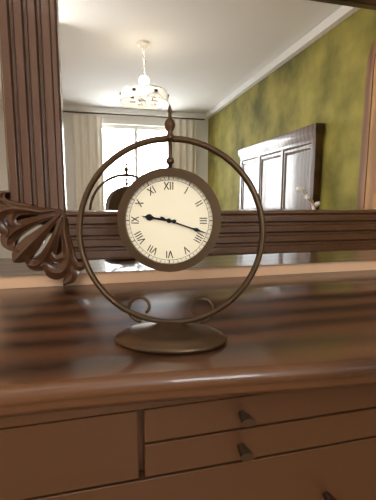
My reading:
9h18
